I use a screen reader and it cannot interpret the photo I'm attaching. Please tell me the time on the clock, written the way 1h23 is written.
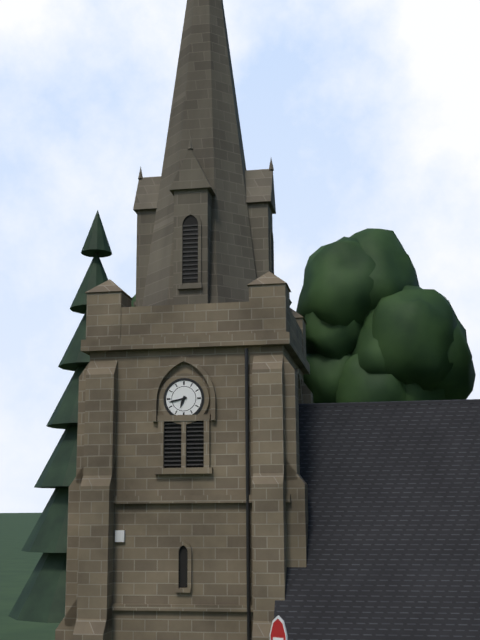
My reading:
6h43
